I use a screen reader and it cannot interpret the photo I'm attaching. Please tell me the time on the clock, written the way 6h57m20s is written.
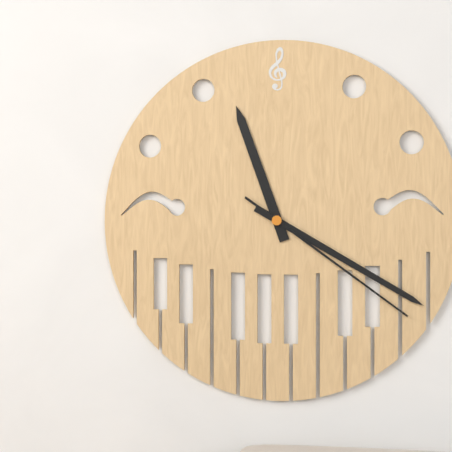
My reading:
11h20m21s
